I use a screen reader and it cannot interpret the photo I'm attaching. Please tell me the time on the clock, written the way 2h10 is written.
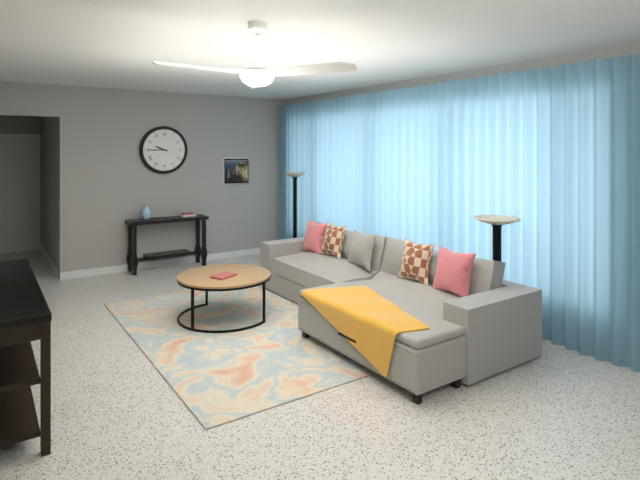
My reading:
9h45
